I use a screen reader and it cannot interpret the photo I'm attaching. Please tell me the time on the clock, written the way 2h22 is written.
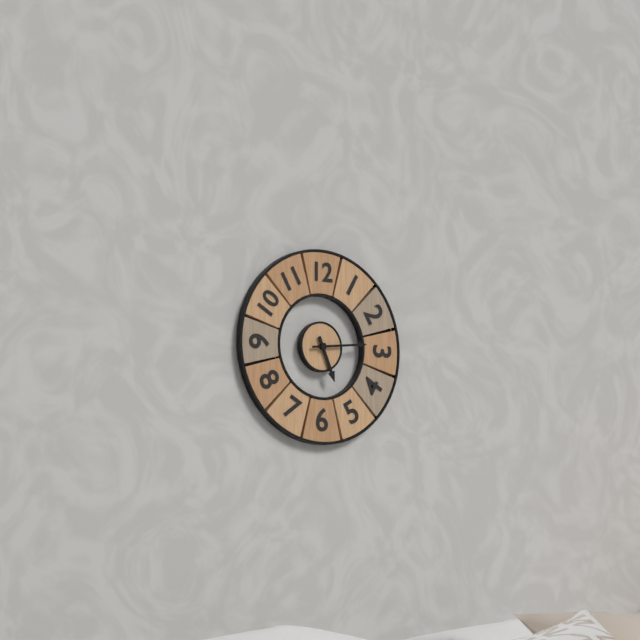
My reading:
5h14
